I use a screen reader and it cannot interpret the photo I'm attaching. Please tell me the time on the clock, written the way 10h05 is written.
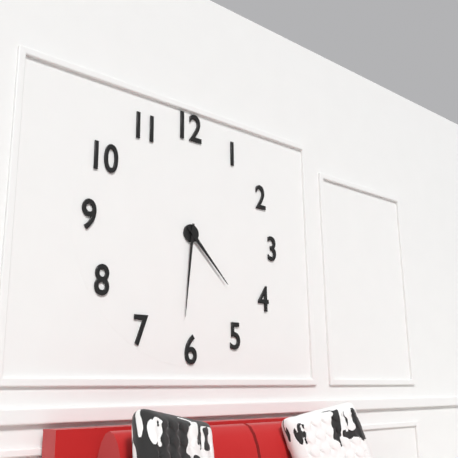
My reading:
4h31
